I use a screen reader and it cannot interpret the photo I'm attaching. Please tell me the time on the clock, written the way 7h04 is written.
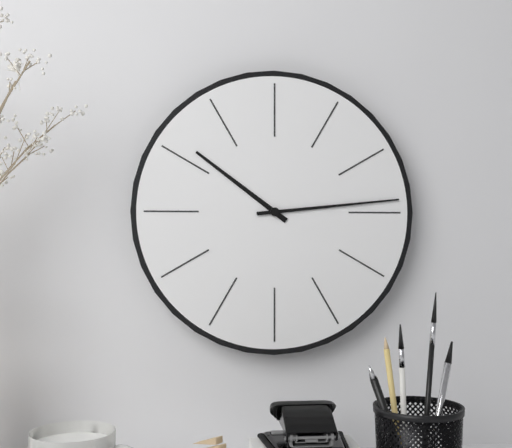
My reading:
10h14
